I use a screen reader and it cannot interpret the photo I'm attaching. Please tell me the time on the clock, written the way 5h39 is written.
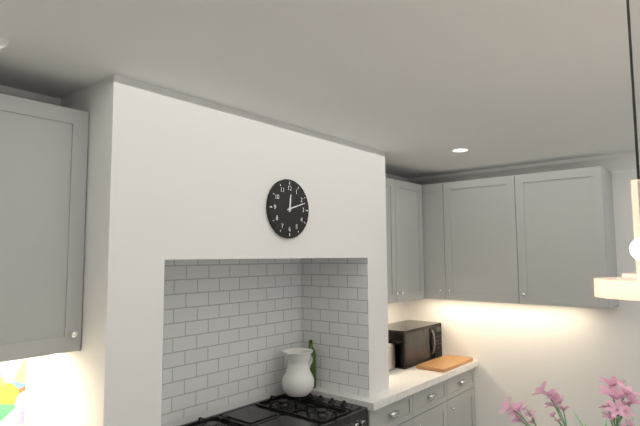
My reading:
12h12
